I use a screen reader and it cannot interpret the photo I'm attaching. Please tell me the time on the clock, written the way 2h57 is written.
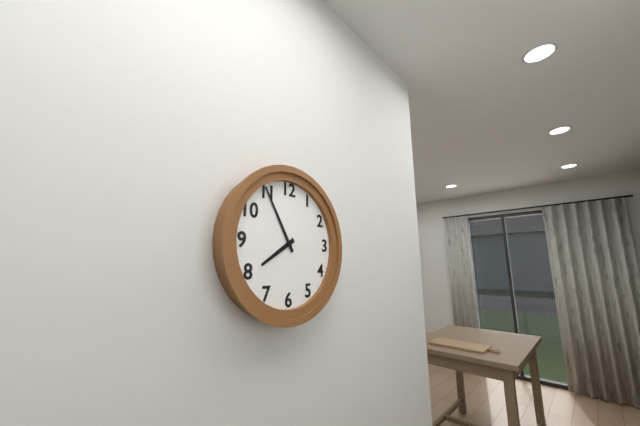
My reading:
7h55
